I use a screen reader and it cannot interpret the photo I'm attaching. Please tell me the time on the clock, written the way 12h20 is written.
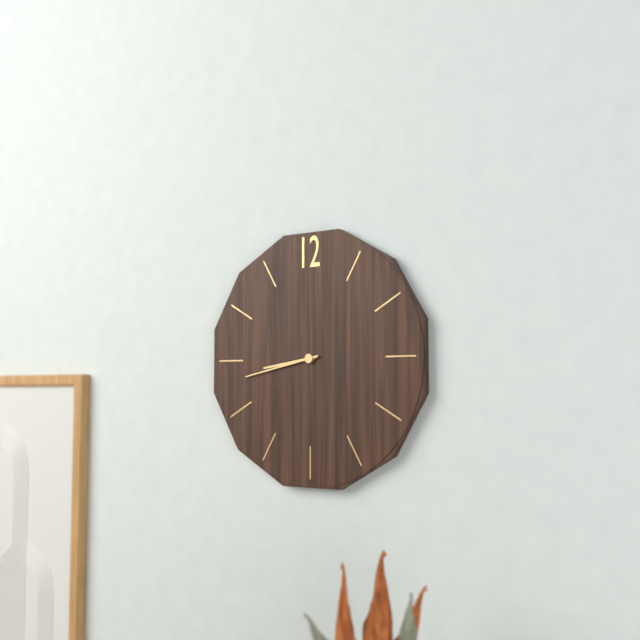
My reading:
8h43
